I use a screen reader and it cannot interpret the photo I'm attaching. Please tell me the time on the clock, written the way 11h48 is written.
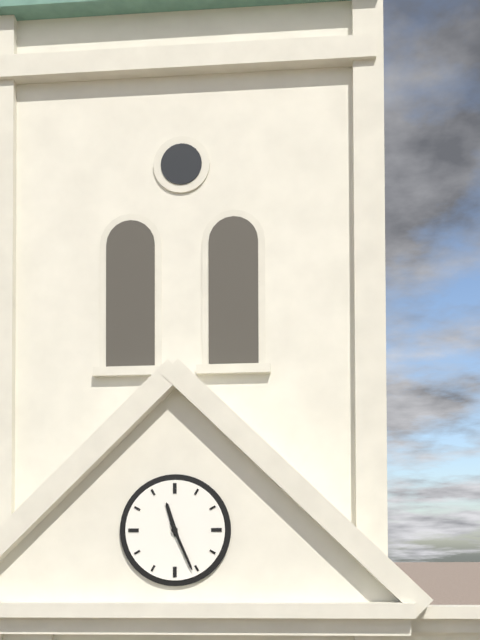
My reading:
11h26
